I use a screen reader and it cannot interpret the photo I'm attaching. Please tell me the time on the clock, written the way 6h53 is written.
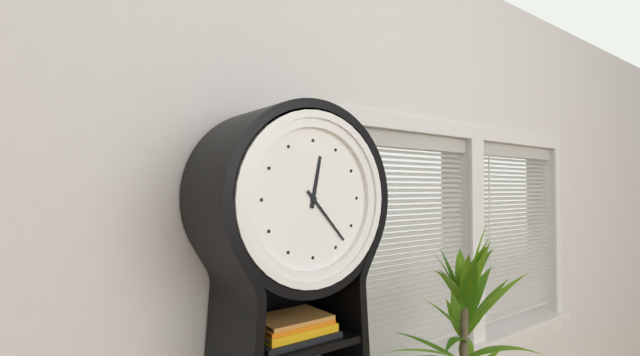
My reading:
12h23
